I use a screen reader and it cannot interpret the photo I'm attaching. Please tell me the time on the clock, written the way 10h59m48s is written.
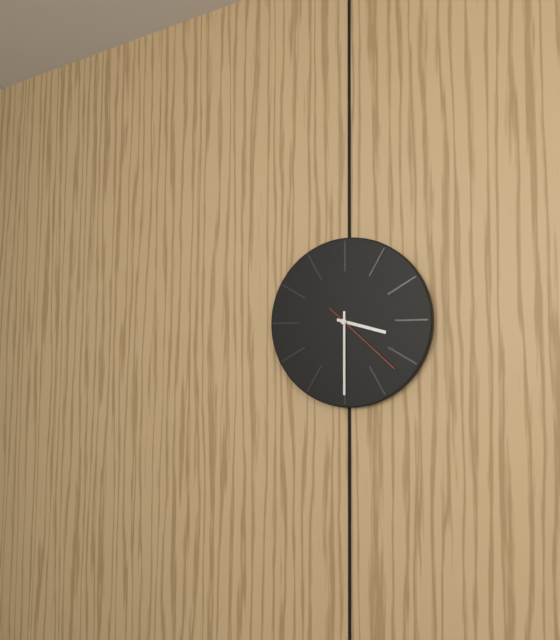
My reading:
3h30m22s
